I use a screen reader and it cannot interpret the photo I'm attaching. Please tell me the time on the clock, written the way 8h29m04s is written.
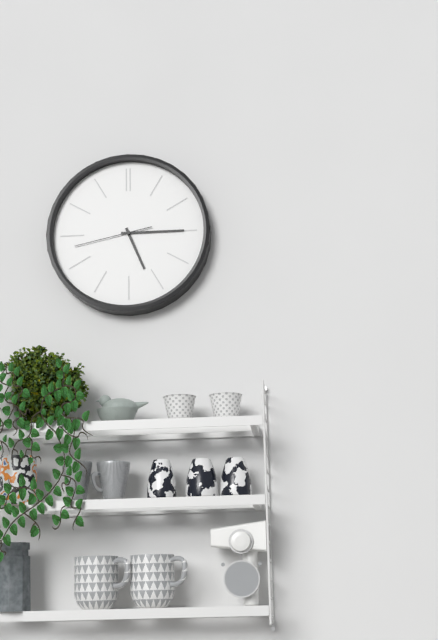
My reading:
5h15m43s
